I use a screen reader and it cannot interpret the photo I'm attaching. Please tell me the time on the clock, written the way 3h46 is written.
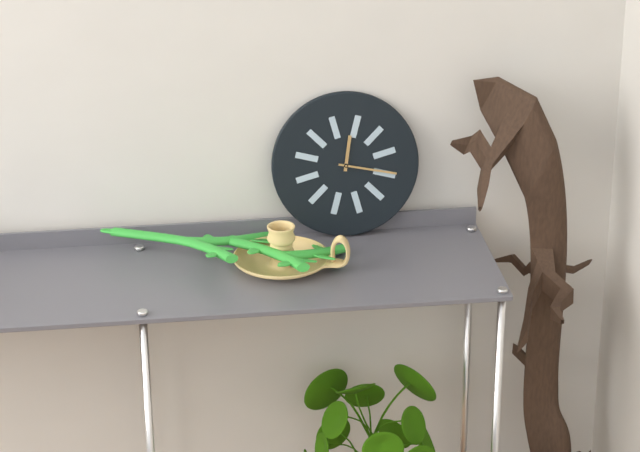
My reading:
12h17
